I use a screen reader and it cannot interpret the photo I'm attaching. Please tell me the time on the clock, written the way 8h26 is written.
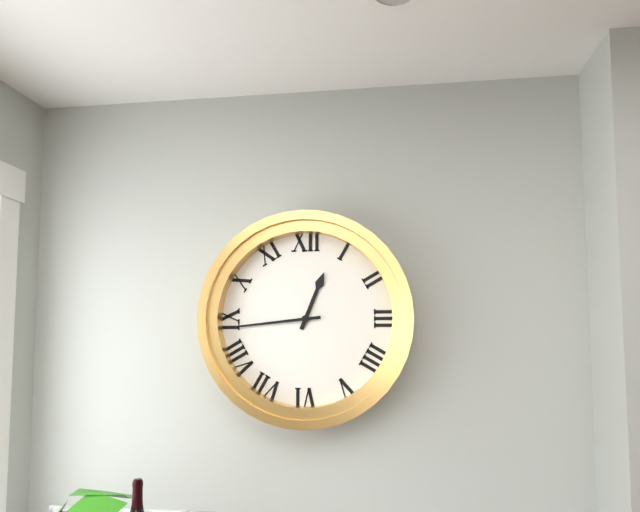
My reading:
12h44
